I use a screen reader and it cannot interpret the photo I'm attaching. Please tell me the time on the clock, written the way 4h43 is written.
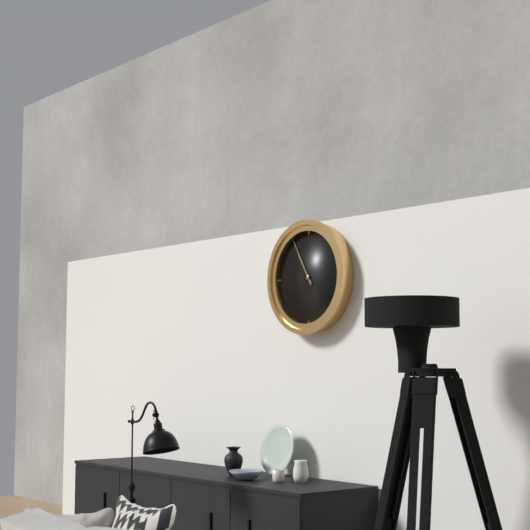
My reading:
10h55
